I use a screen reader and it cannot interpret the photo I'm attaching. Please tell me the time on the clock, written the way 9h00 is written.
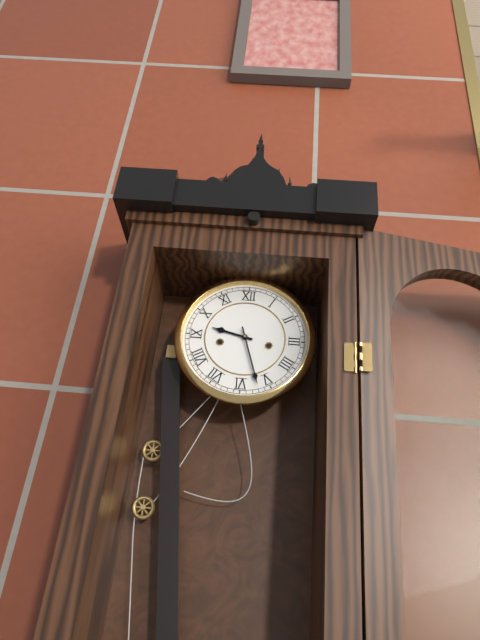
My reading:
9h27
